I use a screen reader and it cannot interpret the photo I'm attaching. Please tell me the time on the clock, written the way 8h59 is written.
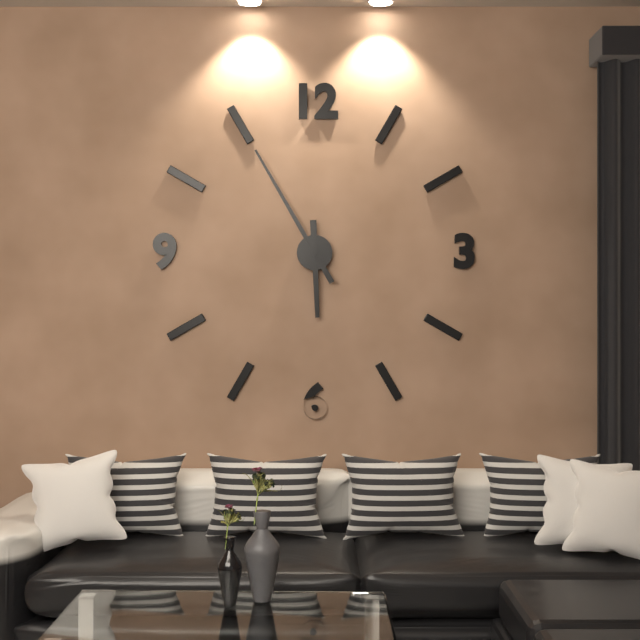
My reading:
5h55
